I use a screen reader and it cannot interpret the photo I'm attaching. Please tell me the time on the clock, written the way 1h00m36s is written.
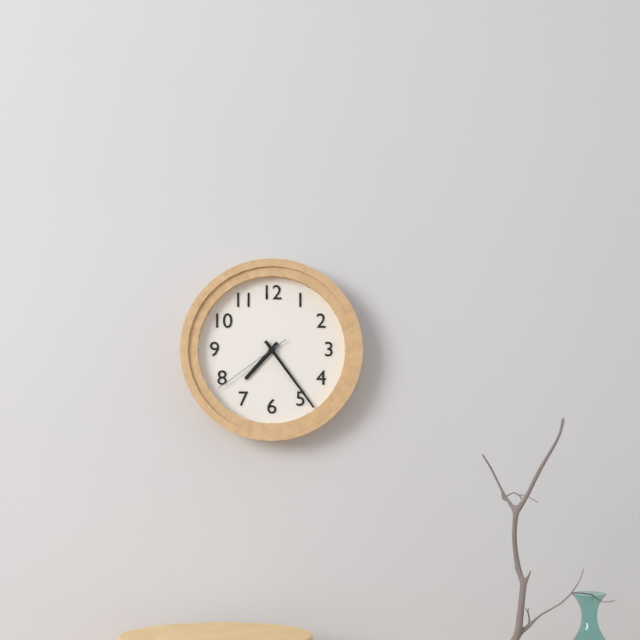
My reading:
7h24m39s
